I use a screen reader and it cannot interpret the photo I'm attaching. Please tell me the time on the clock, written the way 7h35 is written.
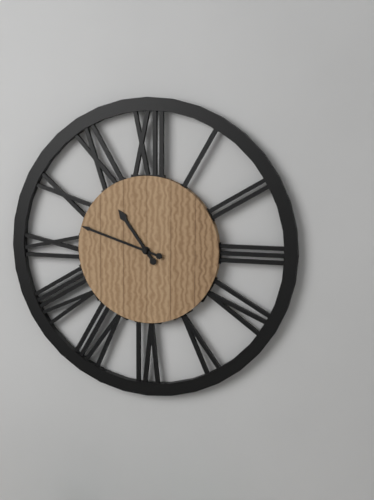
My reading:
10h48
